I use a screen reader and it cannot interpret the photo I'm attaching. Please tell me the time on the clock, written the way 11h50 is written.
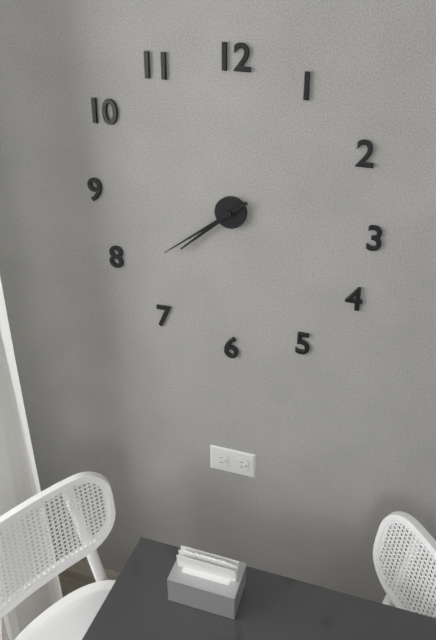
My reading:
7h39
